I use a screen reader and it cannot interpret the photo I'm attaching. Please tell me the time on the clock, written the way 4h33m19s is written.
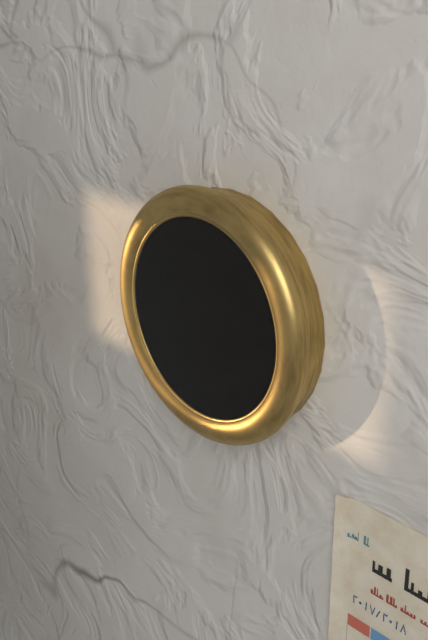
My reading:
2h41m38s
